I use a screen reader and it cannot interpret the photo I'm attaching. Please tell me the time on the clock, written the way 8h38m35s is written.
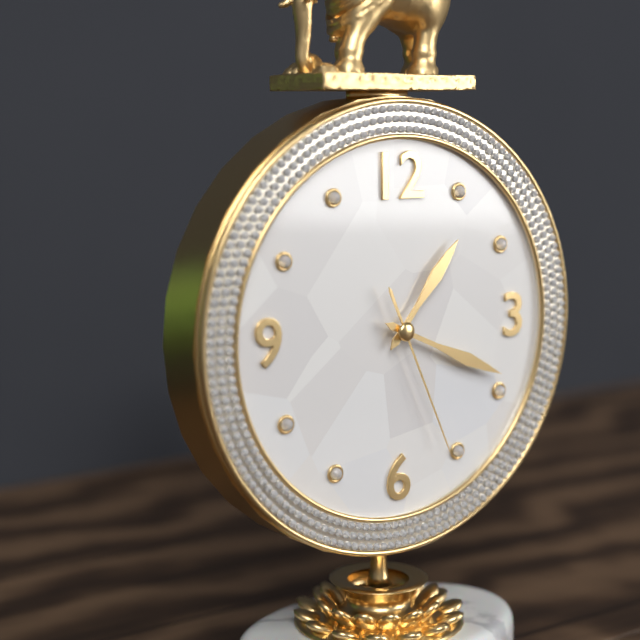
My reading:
1h19m26s
